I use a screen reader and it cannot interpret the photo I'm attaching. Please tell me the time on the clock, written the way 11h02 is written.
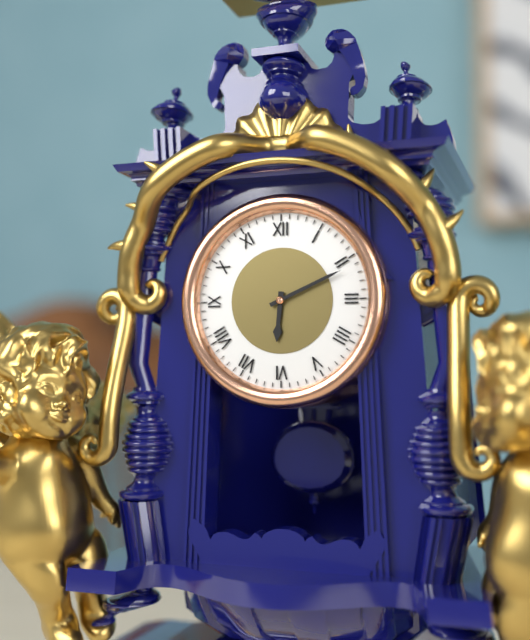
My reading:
6h11
